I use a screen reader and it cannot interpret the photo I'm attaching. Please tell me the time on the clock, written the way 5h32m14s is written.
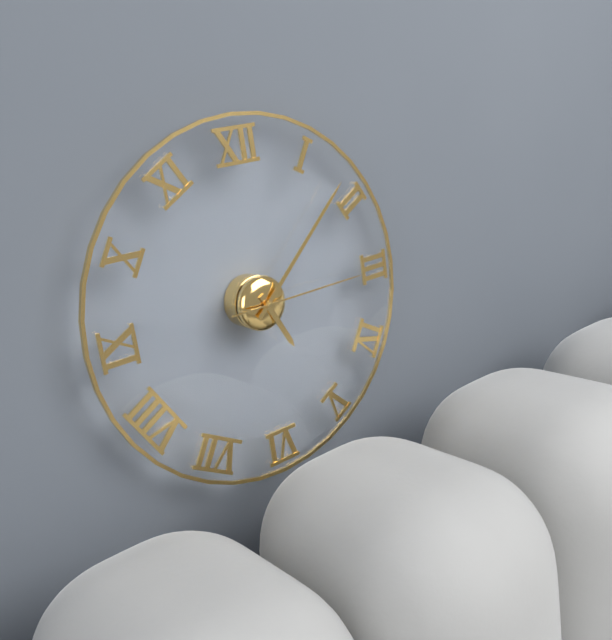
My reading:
5h08m15s
